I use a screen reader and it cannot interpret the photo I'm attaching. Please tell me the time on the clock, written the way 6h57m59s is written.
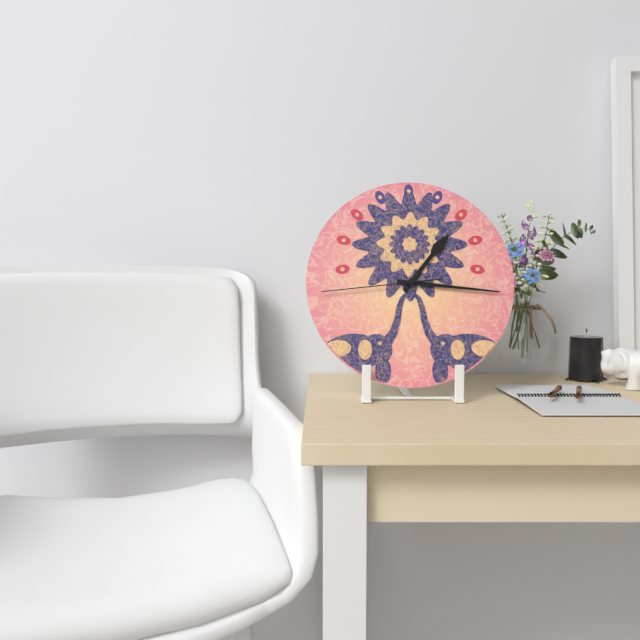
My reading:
1h16m44s
